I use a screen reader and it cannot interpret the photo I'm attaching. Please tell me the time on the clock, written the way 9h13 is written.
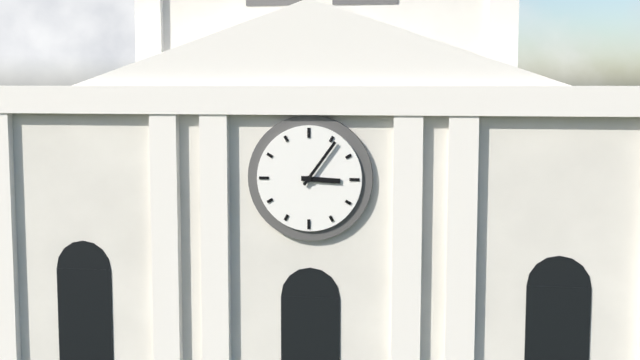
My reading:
3h06
